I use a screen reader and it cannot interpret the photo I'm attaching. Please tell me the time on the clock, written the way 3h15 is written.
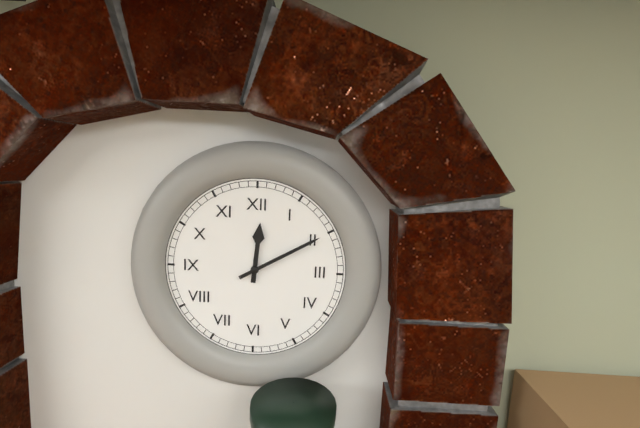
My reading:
12h10
